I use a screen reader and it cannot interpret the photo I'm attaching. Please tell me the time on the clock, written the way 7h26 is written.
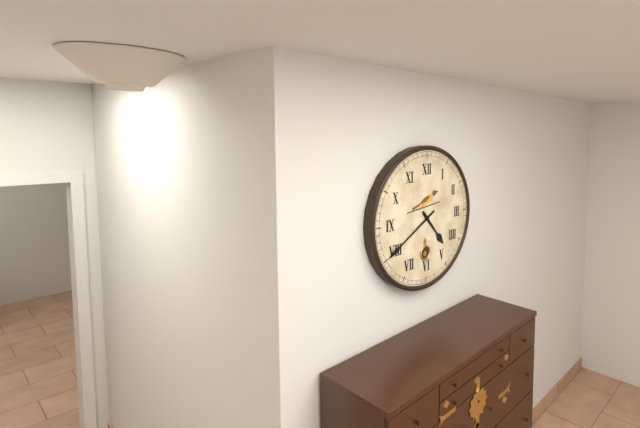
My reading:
4h40
